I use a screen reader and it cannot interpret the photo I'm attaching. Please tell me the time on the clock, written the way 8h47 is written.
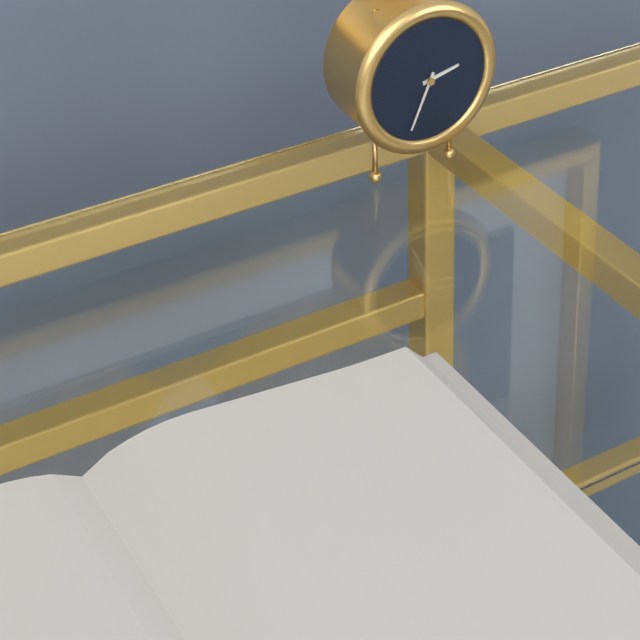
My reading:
2h34
